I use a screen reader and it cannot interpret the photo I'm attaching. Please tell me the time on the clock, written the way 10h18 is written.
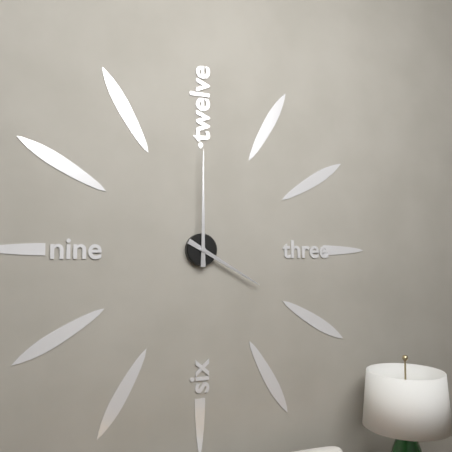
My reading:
4h00
